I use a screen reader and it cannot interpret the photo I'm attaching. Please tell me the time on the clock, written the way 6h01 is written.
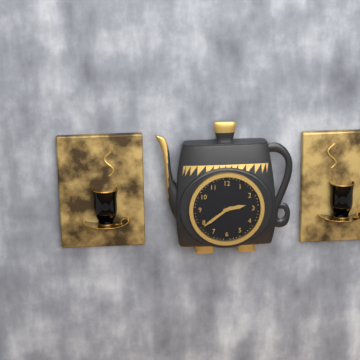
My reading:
2h39
